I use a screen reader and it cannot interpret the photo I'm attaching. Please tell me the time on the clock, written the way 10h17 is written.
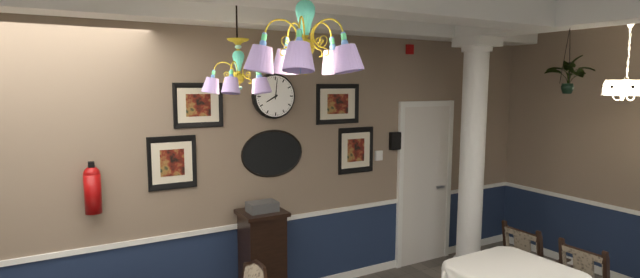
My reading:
8h01
